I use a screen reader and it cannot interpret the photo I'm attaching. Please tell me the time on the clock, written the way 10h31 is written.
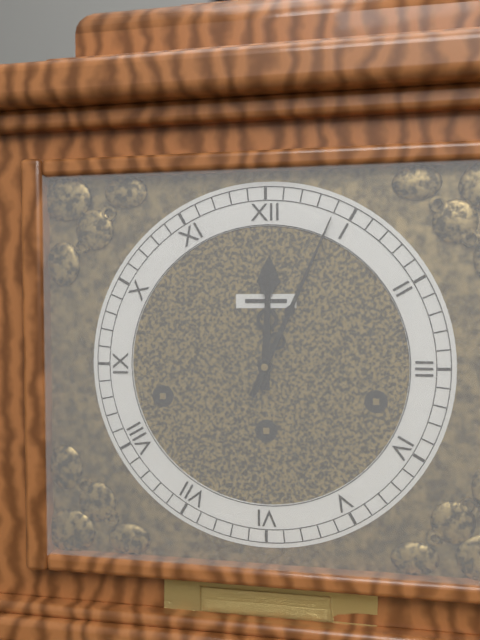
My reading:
12h04
